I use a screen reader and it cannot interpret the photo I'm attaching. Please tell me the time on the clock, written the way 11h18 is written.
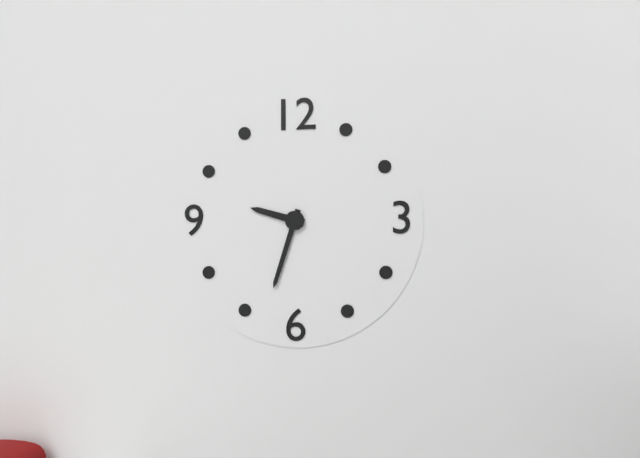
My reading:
9h33
